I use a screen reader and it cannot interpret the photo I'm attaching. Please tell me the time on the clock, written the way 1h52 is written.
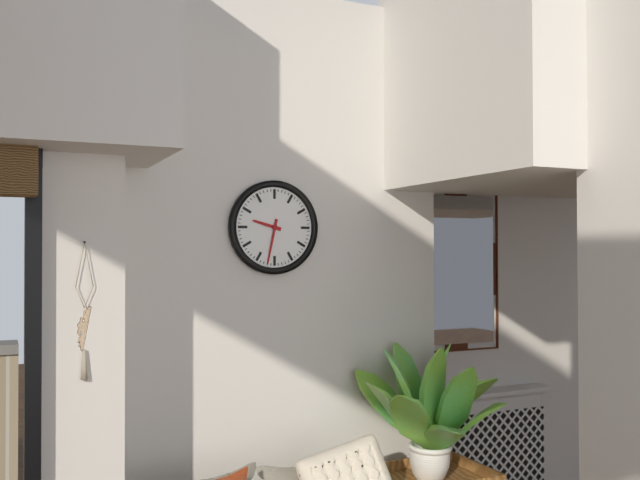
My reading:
9h32
